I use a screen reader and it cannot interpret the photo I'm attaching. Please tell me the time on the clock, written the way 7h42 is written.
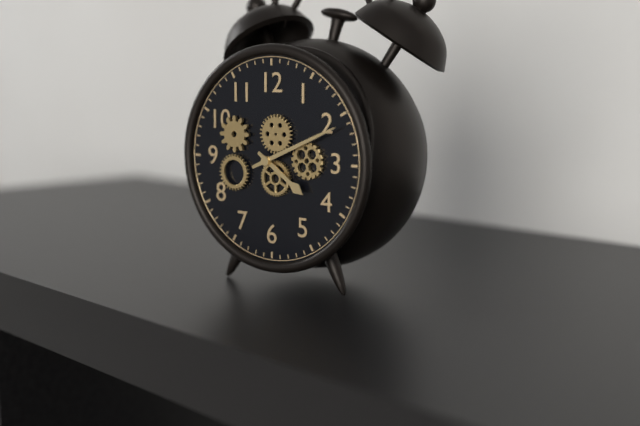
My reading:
4h11
